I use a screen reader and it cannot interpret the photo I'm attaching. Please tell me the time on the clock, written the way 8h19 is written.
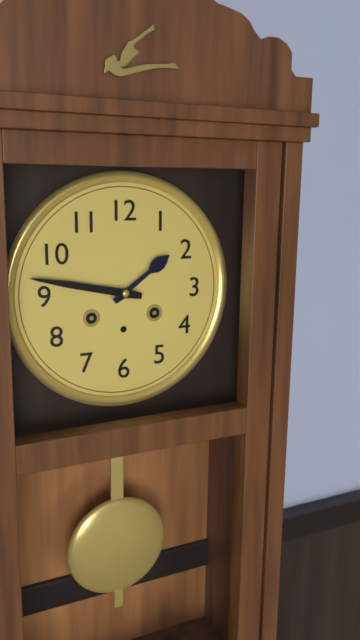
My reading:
1h47
